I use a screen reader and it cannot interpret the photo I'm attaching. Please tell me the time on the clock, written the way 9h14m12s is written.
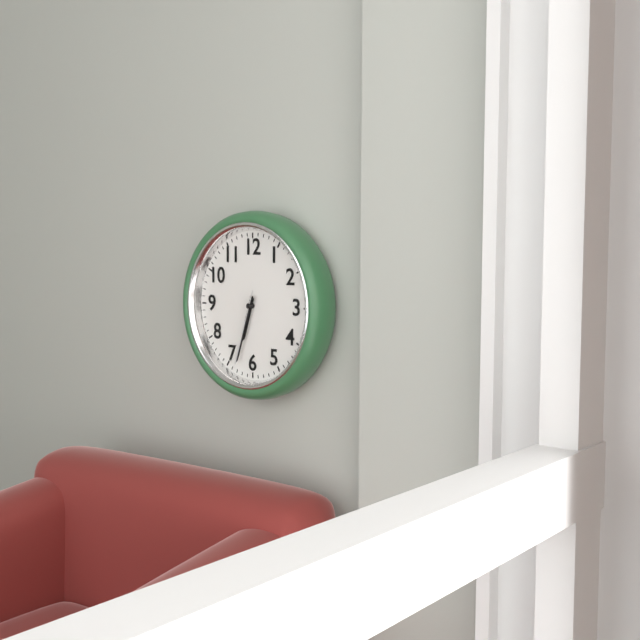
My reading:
6h33m33s
